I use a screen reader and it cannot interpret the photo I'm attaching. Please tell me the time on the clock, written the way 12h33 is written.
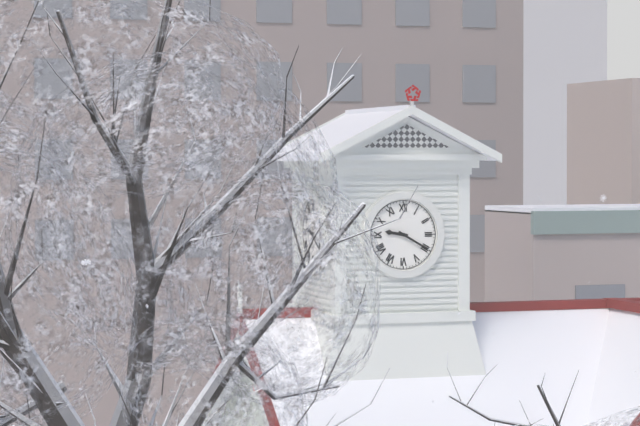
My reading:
9h20
